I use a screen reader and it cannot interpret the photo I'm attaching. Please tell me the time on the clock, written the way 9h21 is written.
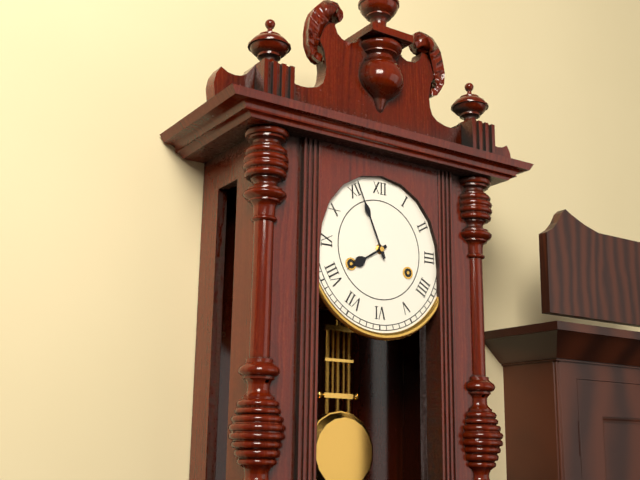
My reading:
7h56
